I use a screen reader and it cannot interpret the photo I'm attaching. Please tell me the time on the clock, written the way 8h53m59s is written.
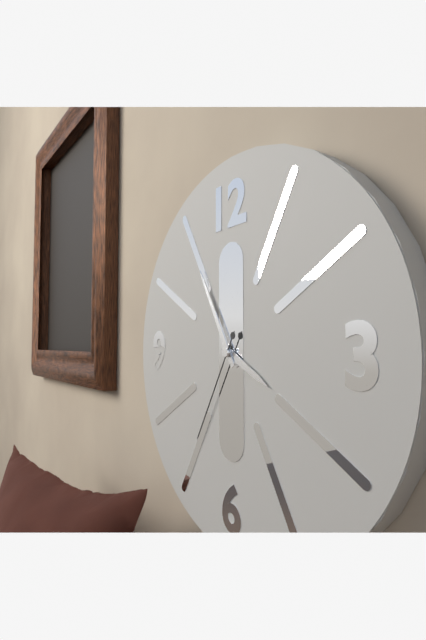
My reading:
3h55m35s
